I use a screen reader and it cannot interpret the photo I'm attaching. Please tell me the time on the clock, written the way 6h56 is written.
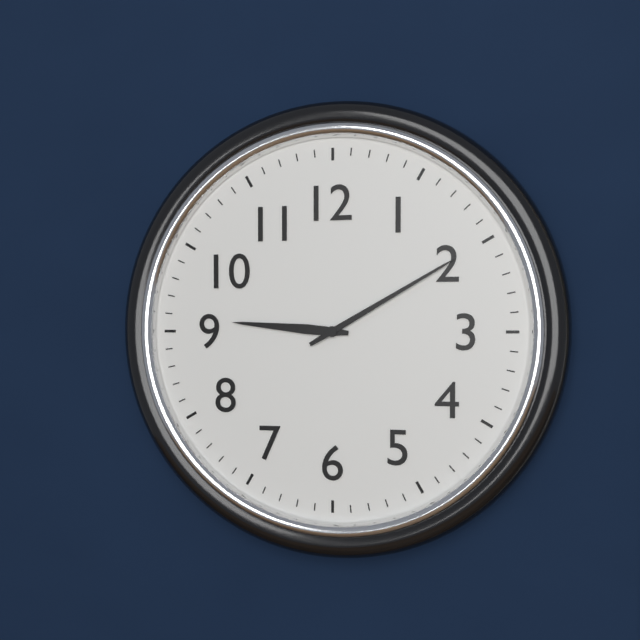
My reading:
9h10
